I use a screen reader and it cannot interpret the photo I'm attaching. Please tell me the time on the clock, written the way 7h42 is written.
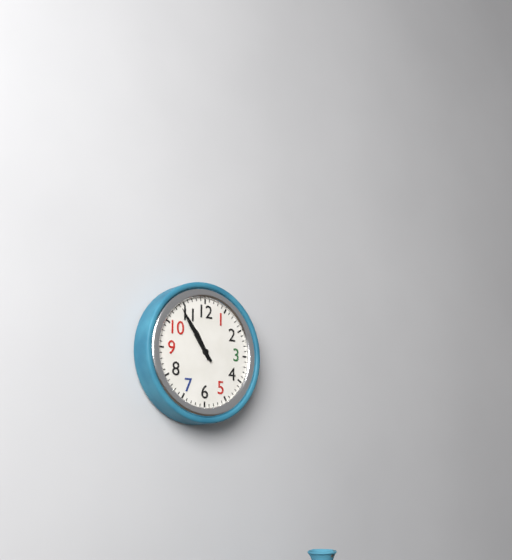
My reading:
10h54
